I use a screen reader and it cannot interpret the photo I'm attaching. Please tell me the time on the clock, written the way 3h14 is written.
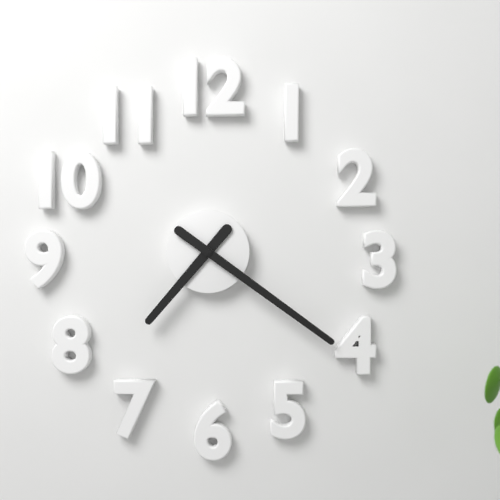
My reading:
7h21
